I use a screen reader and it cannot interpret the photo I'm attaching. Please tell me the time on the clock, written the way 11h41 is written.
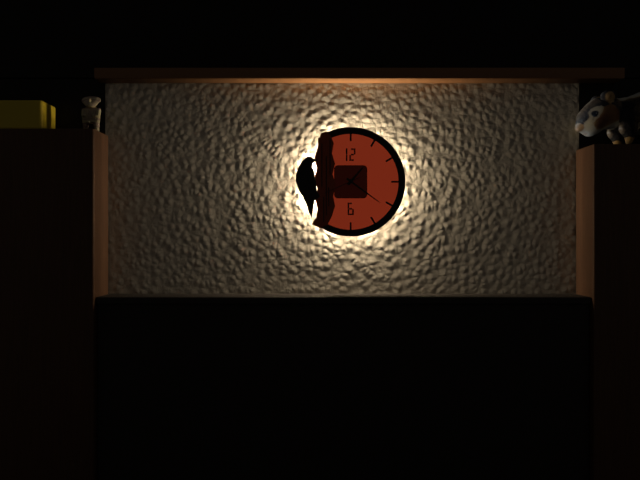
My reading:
1h21
